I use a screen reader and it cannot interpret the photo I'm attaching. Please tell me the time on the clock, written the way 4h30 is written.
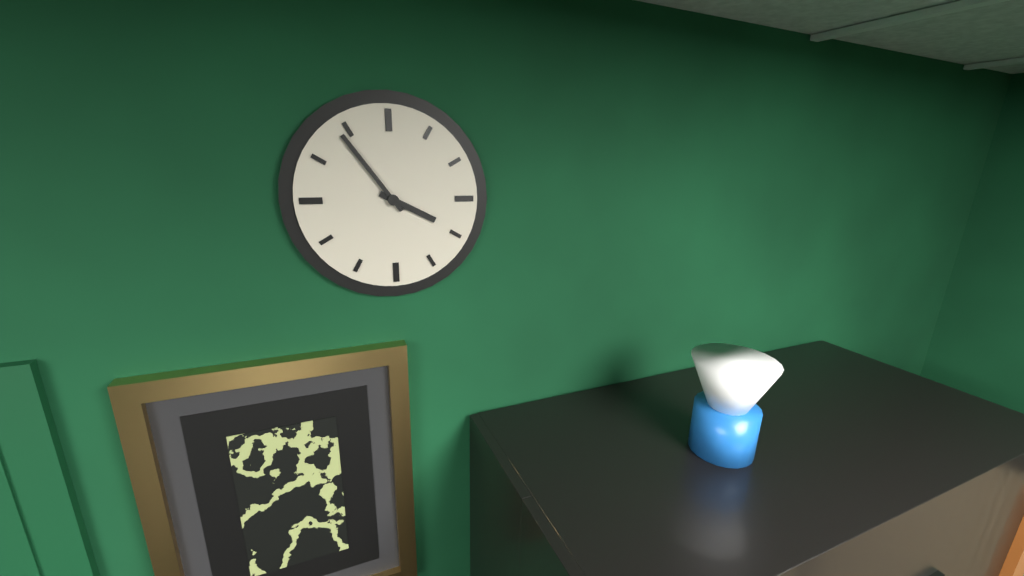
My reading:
3h54
